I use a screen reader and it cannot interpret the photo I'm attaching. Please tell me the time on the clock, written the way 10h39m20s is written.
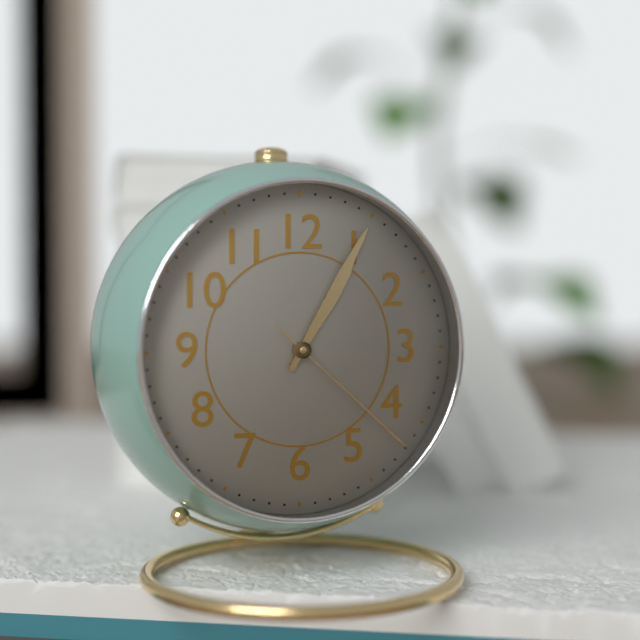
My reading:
1h05m22s
